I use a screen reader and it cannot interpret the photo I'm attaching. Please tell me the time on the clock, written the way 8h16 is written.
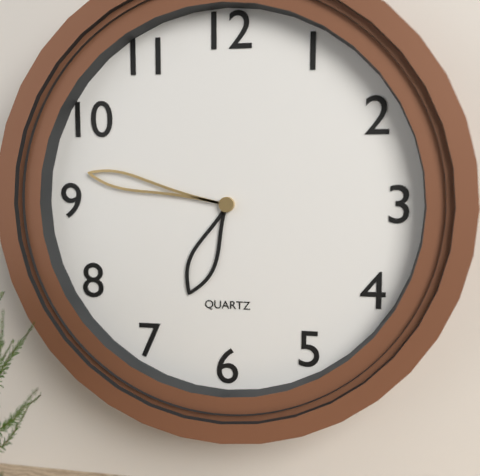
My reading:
6h47
